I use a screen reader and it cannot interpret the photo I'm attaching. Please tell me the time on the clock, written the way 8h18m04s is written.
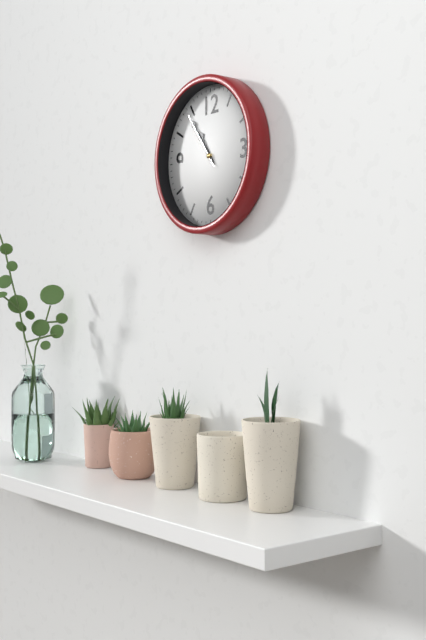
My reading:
10h54m54s
